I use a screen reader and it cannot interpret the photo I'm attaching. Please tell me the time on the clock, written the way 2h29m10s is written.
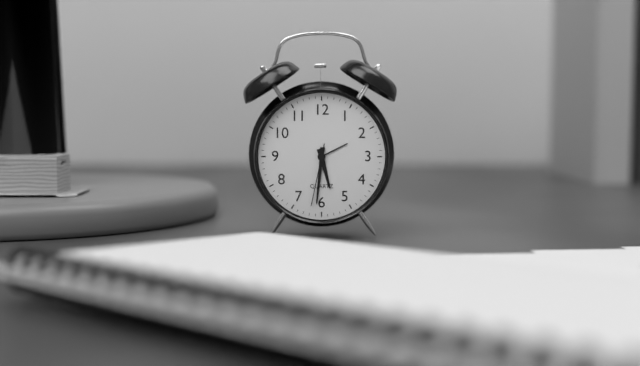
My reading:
5h31m32s
